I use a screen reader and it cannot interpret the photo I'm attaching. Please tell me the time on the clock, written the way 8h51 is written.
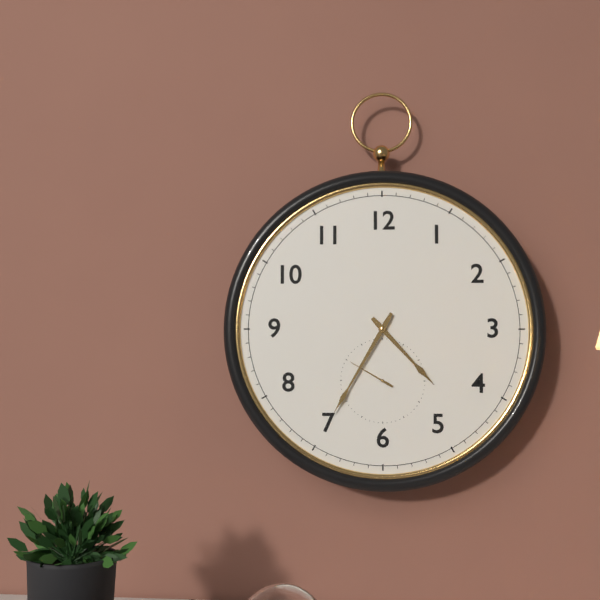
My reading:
4h35
